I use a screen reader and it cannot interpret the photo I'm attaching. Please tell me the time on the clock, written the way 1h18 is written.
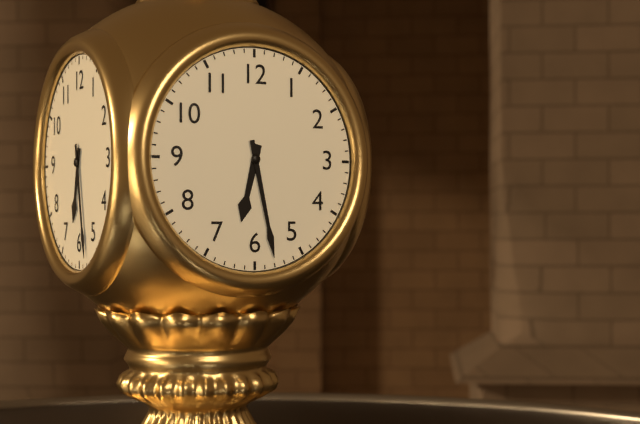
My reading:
6h28
